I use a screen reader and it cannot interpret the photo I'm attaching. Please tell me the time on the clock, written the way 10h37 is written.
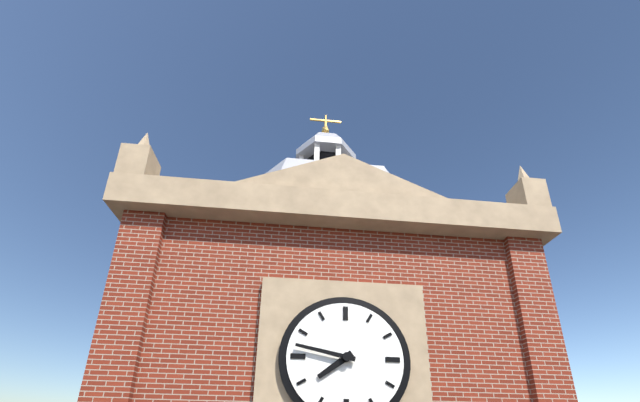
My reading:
7h47
